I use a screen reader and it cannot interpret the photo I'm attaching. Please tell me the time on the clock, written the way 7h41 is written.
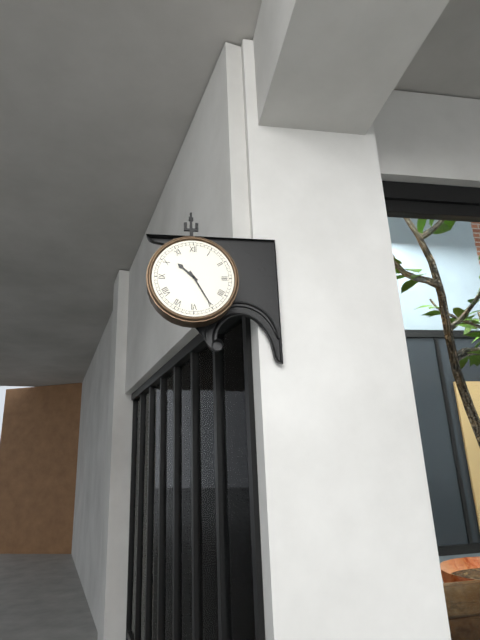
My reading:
10h25
